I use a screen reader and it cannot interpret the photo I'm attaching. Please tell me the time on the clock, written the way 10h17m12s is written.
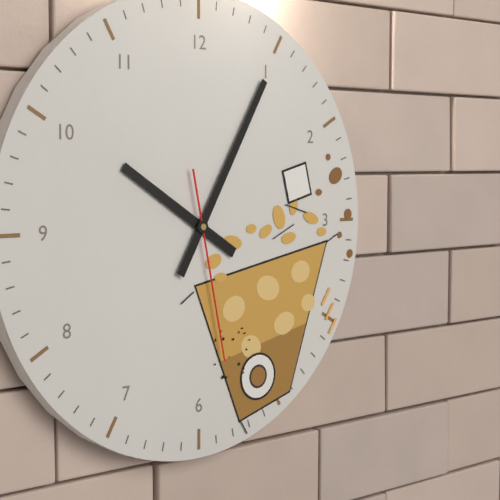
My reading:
10h05m28s
